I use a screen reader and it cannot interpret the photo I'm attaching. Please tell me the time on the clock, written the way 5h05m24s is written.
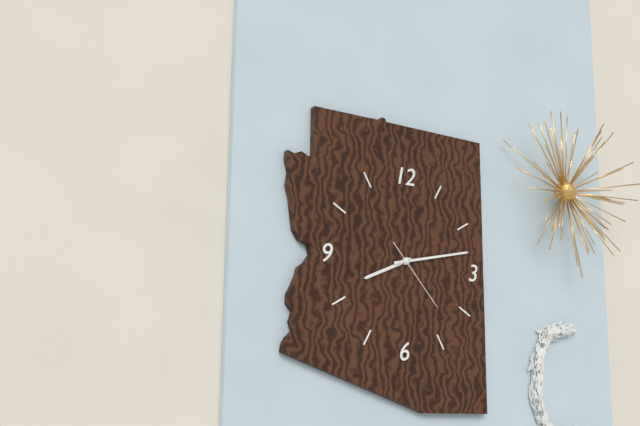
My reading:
8h13m23s
